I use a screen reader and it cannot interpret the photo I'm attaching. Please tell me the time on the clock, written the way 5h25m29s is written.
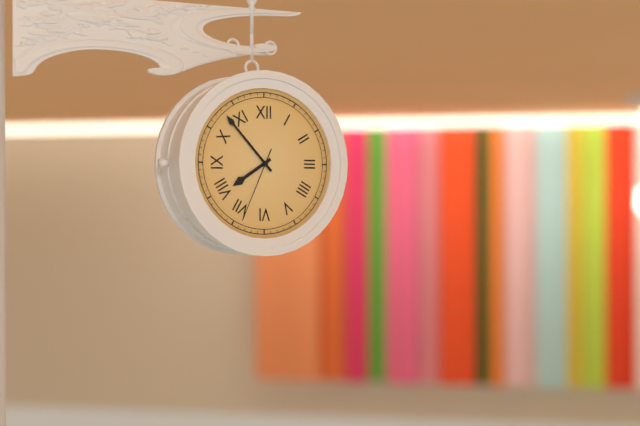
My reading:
7h53m34s
